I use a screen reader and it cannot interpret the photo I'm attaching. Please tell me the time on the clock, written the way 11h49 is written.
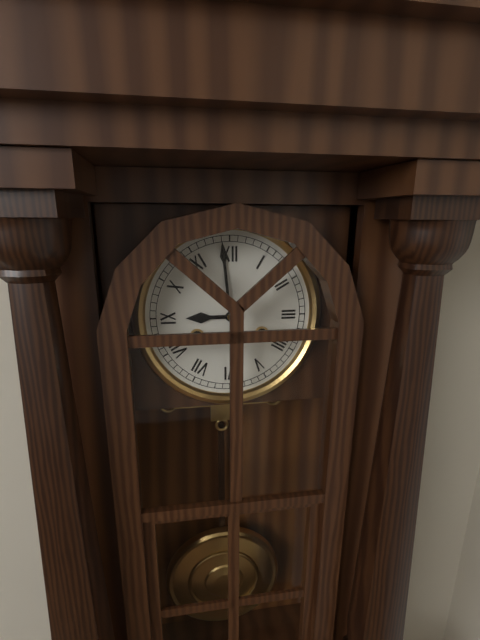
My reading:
8h59
